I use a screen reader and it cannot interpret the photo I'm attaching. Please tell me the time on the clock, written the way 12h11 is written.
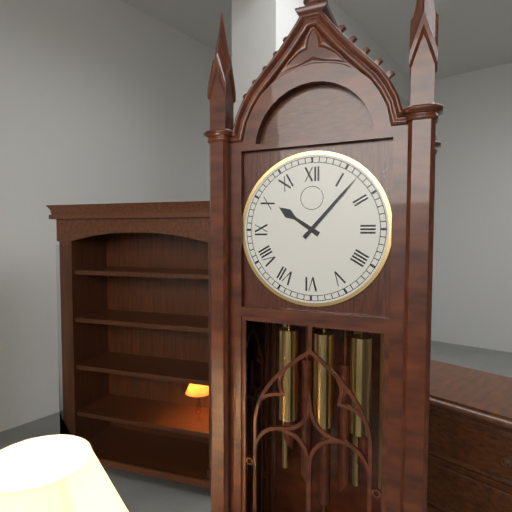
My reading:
10h07
